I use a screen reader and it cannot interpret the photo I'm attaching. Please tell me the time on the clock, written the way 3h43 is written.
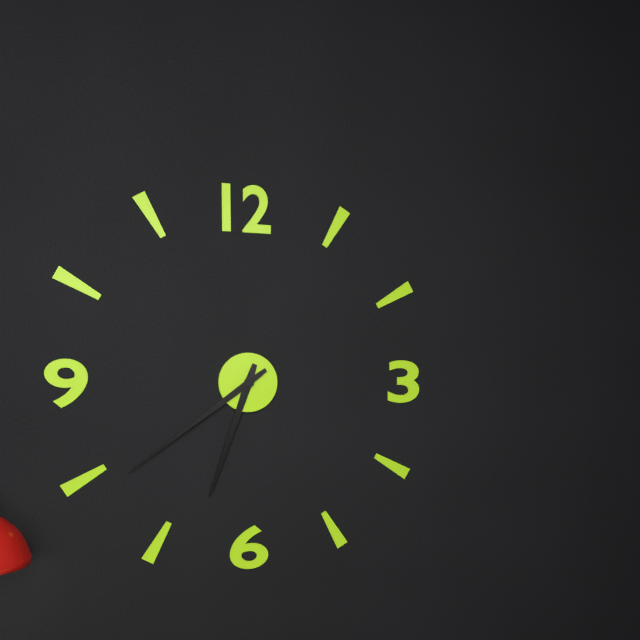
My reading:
6h39
